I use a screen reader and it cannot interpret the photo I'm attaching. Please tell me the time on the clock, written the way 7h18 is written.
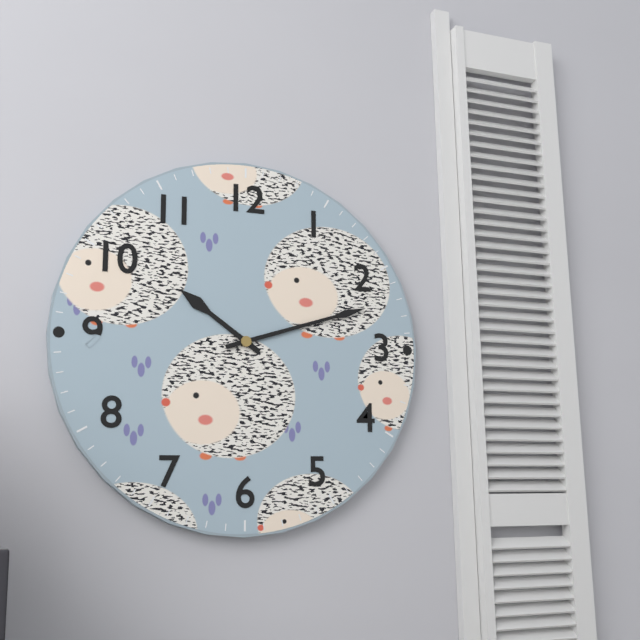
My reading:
10h12
